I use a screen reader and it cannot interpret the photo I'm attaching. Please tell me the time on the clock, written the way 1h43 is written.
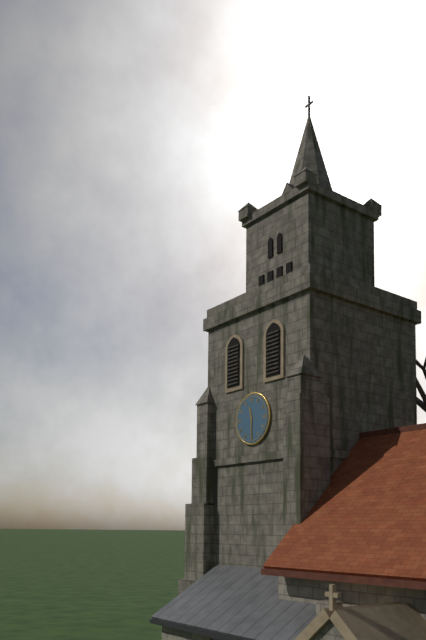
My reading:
11h30
